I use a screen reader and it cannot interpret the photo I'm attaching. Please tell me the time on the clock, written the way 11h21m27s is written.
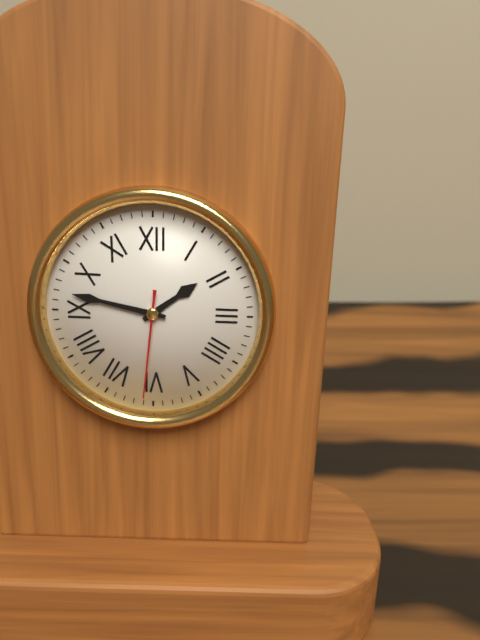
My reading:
1h47m31s
